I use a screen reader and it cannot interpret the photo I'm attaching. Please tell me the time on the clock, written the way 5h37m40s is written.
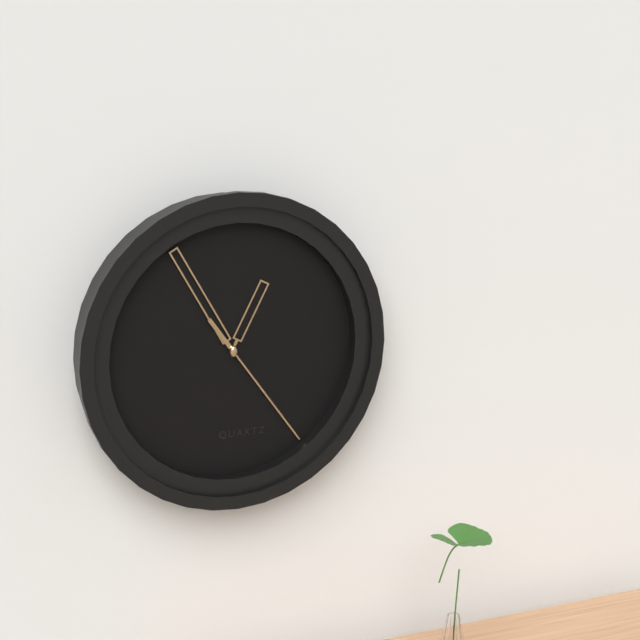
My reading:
12h55m24s
